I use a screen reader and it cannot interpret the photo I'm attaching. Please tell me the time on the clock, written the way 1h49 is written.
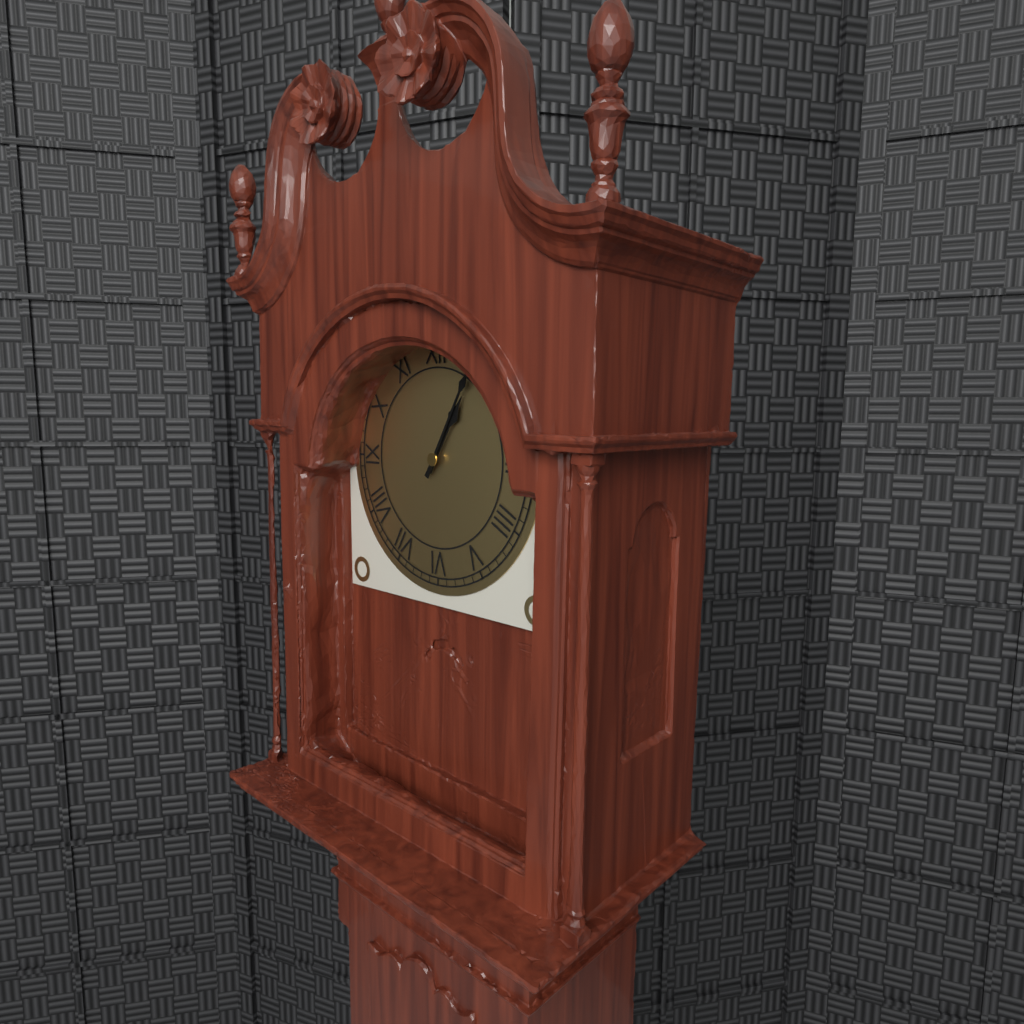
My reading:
1h05
